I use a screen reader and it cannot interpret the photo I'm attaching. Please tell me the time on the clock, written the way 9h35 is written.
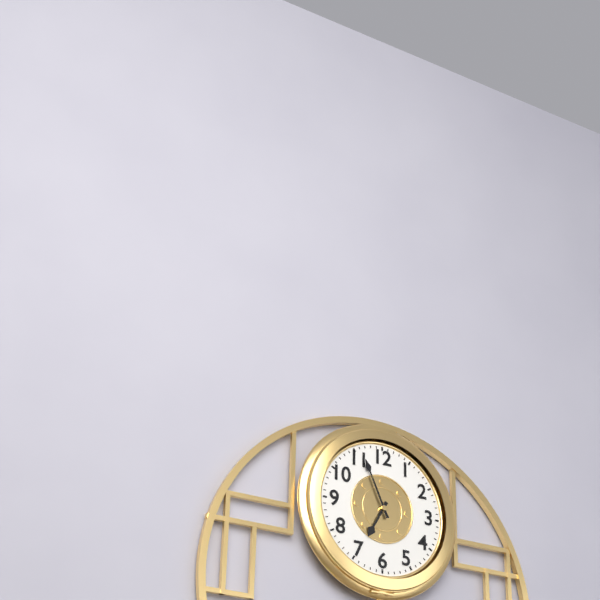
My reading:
6h56
